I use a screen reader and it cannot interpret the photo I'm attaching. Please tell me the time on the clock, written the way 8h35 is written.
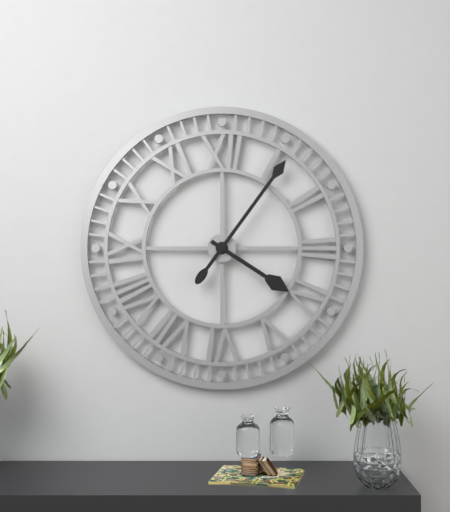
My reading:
4h06
